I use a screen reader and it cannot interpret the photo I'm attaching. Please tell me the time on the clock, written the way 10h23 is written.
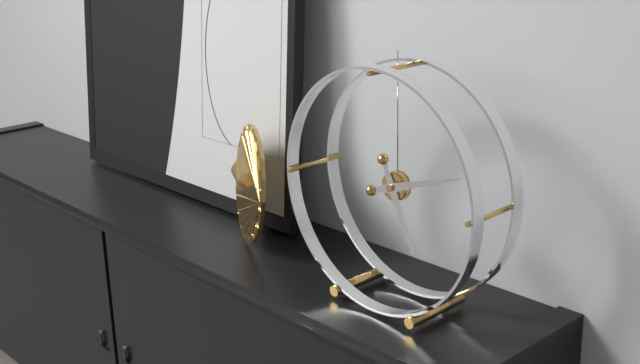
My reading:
5h12
